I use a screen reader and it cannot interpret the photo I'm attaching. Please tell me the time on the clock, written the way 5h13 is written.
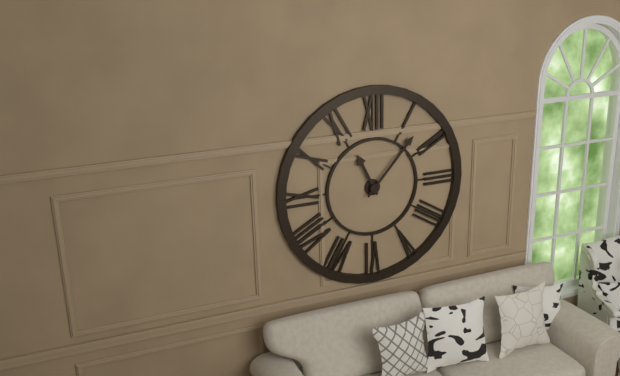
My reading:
11h07
